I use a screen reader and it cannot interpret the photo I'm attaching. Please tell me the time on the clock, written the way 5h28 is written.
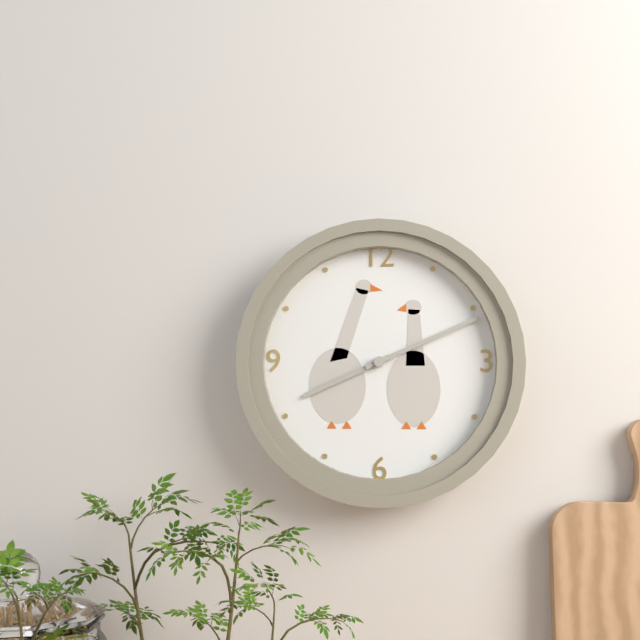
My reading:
8h11
